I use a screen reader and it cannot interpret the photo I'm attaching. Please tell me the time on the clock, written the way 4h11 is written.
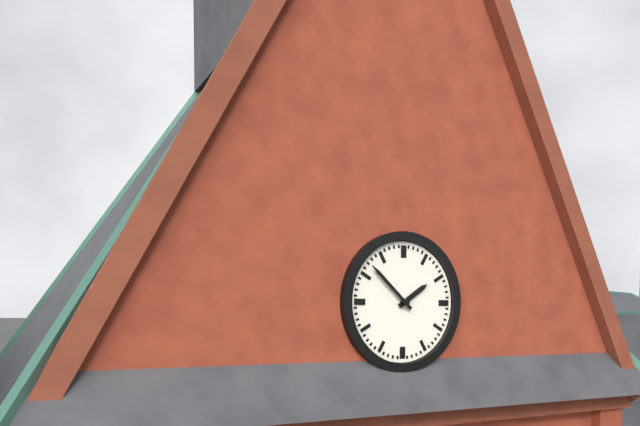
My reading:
1h52
